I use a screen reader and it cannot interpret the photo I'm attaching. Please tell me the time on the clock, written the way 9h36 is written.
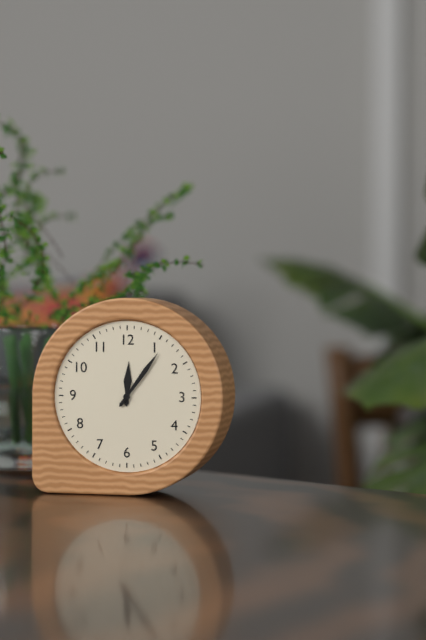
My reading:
12h06
